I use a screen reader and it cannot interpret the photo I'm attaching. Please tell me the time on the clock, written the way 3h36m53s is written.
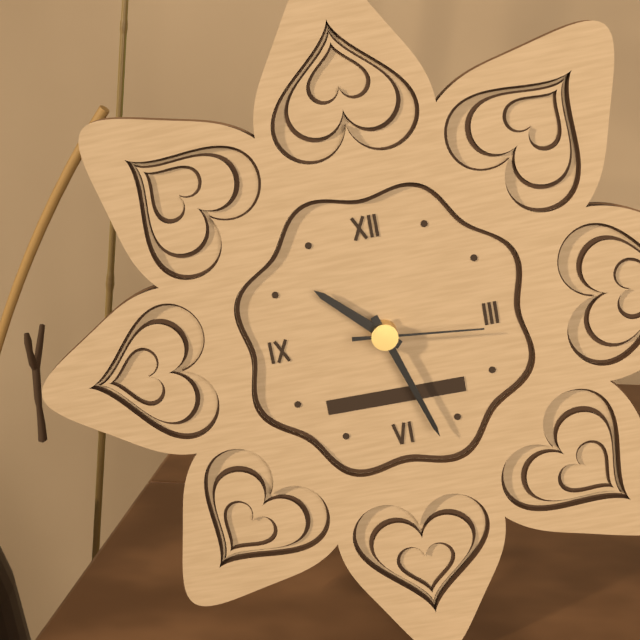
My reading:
10h27m16s
